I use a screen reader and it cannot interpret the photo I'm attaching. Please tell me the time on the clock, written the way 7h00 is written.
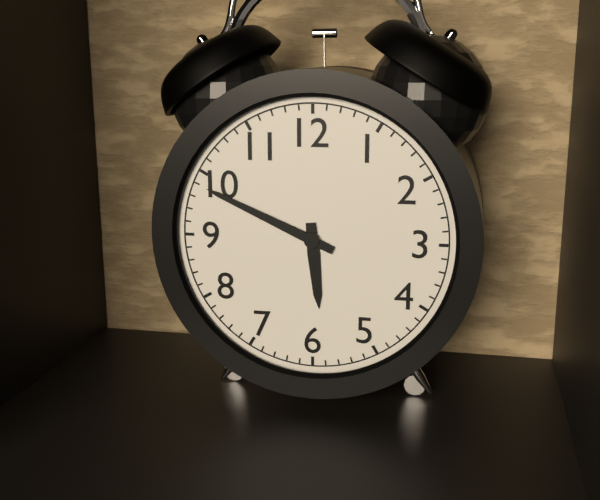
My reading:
5h49
